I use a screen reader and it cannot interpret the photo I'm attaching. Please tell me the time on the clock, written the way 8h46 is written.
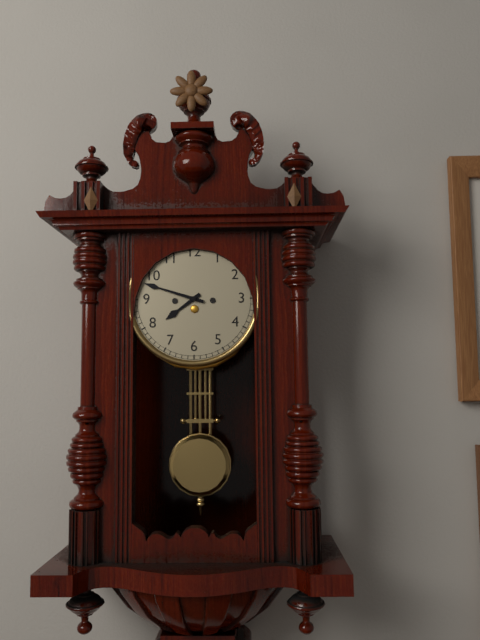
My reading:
7h48
